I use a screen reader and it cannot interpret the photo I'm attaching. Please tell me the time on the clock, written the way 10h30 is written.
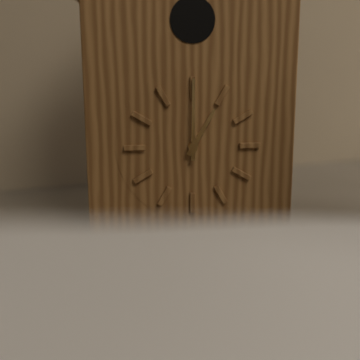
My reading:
1h00
